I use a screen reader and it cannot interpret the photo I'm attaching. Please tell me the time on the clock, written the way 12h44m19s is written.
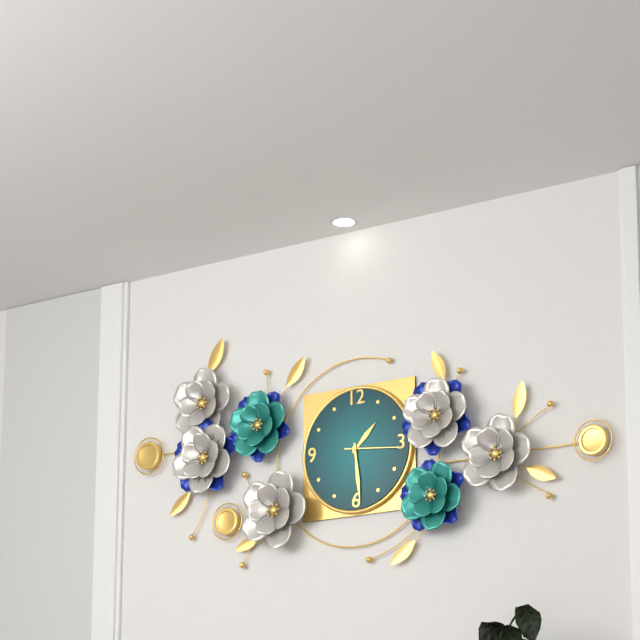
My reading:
1h29m16s
